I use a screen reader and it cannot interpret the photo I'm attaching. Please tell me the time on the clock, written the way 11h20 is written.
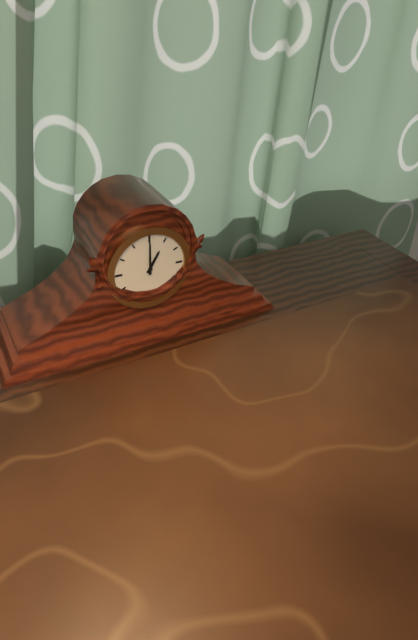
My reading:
1h00
